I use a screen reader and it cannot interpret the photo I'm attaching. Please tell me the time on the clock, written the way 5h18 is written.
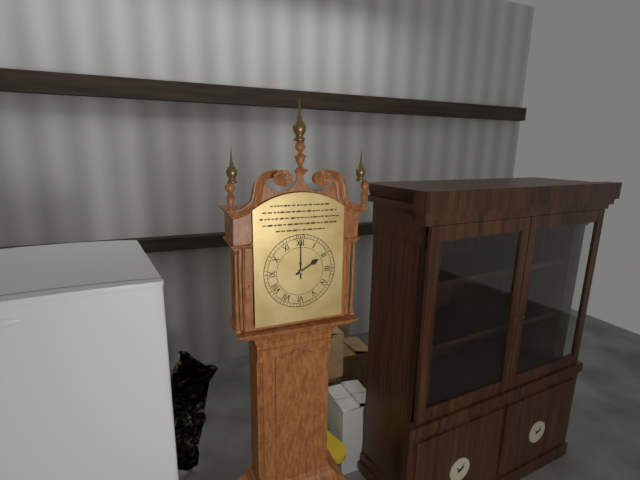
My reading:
2h00
